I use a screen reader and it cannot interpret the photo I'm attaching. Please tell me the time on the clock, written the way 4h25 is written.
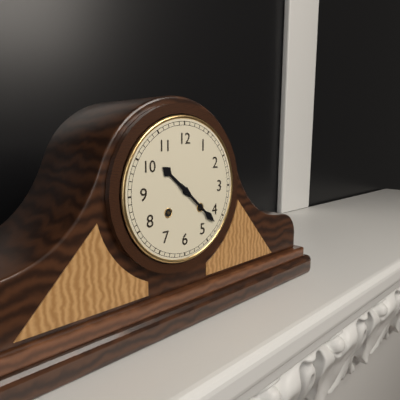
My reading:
10h22
